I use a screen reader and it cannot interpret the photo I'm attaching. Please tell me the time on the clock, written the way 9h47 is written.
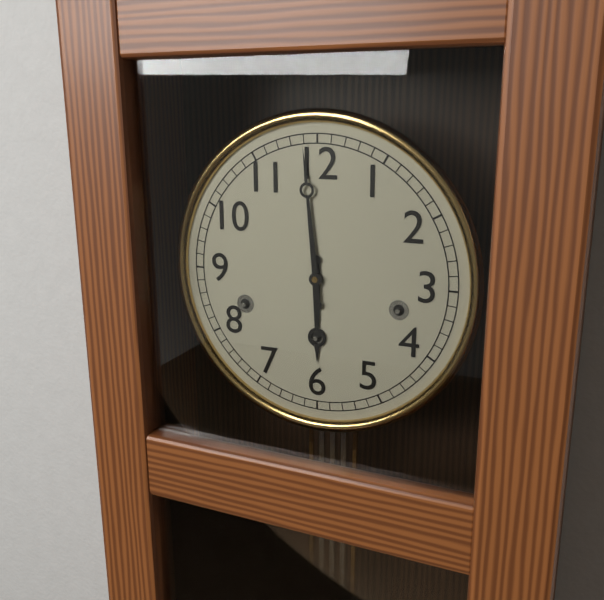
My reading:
5h59
